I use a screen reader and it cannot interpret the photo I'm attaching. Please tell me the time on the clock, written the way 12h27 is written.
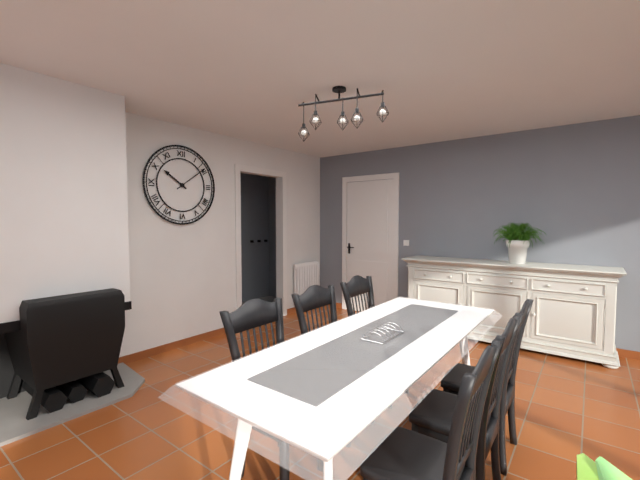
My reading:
10h09
